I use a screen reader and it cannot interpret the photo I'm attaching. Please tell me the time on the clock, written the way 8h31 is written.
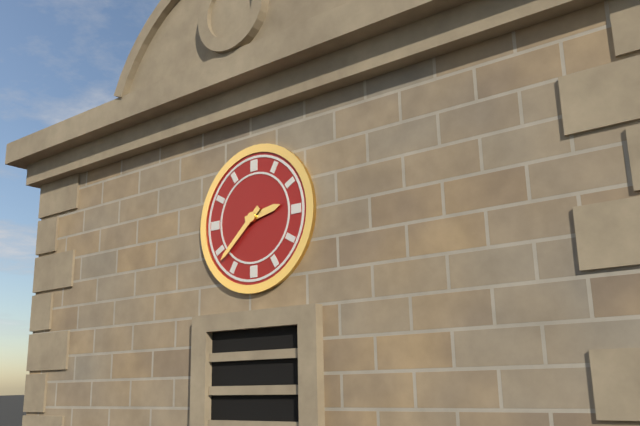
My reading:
2h38
